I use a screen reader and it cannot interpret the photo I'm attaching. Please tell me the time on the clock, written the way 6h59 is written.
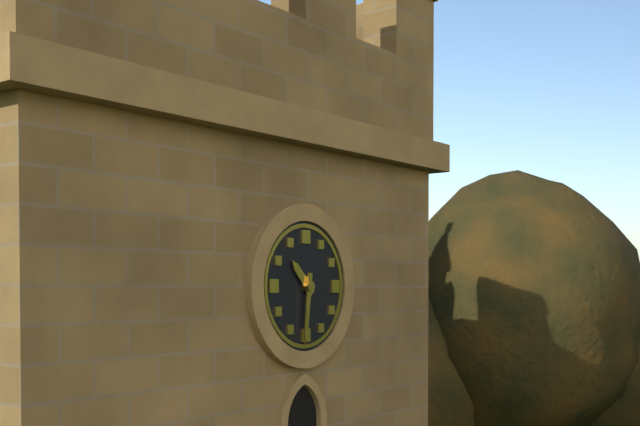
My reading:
10h31
